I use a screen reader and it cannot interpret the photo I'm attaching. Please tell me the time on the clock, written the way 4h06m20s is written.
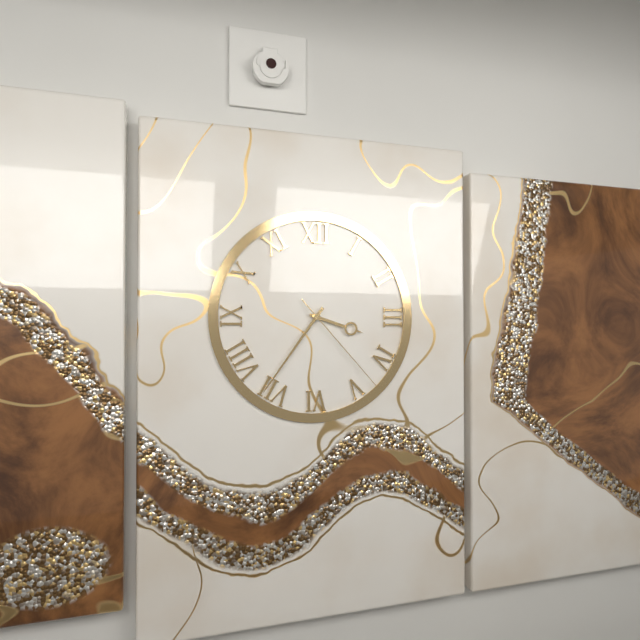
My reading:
3h36m23s
